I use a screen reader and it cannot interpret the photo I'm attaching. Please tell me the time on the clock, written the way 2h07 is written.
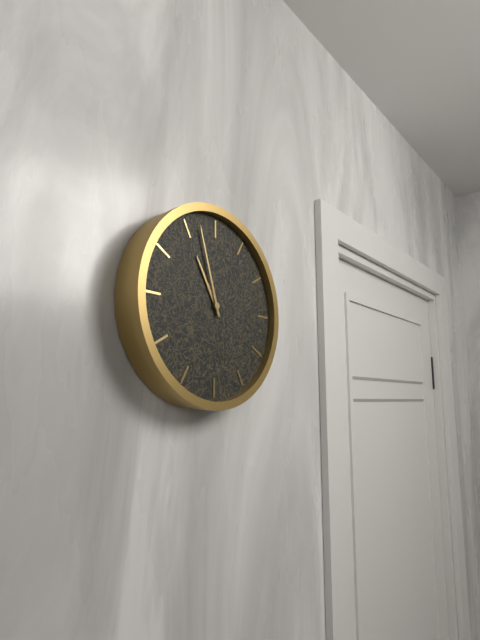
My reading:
10h57
